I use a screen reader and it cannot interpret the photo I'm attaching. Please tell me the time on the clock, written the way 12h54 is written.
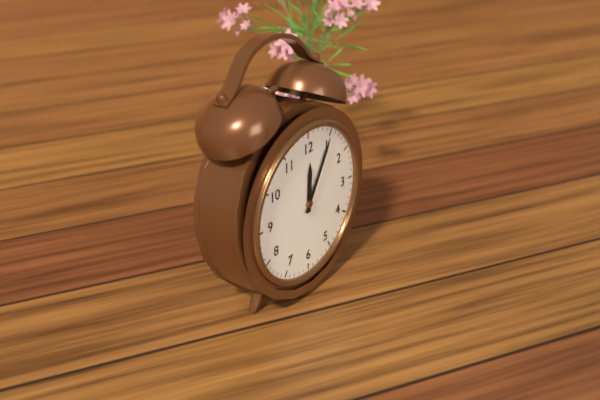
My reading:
12h05
